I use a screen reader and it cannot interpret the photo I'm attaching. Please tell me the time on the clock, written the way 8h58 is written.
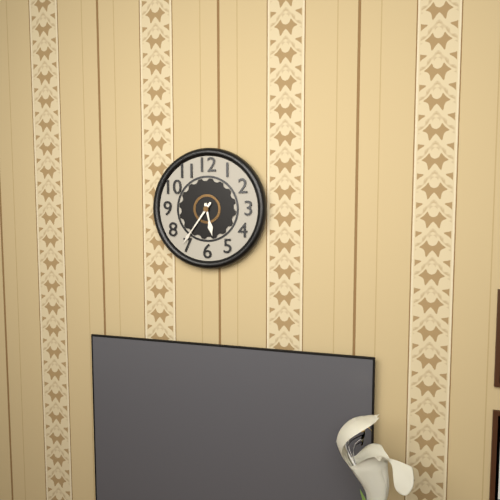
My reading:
5h36
